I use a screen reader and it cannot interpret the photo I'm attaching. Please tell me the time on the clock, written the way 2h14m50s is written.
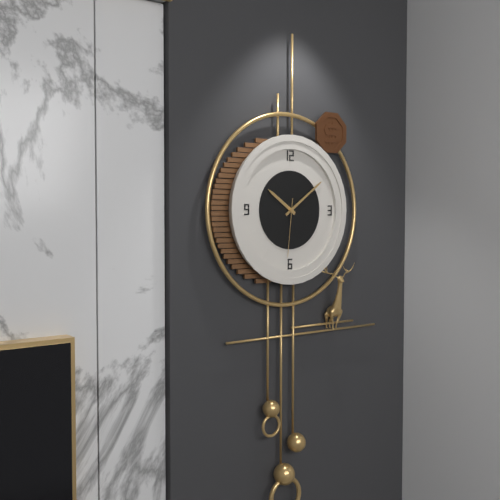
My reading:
10h09m31s
